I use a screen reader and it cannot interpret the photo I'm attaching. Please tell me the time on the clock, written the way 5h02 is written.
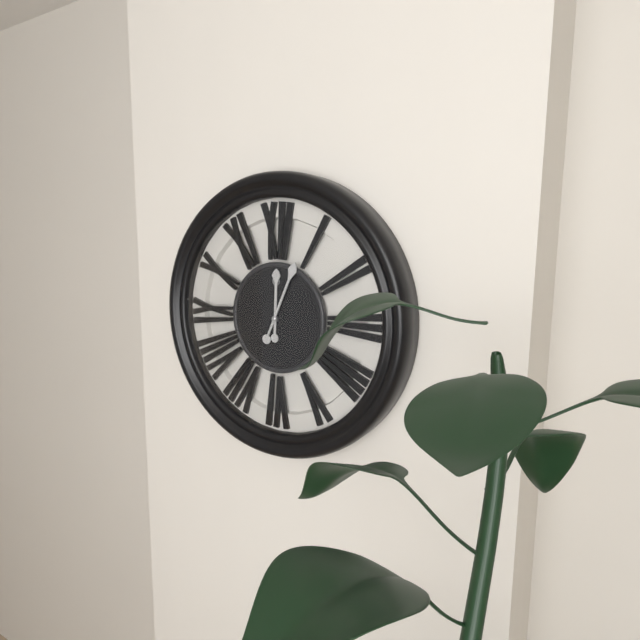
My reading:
12h04
